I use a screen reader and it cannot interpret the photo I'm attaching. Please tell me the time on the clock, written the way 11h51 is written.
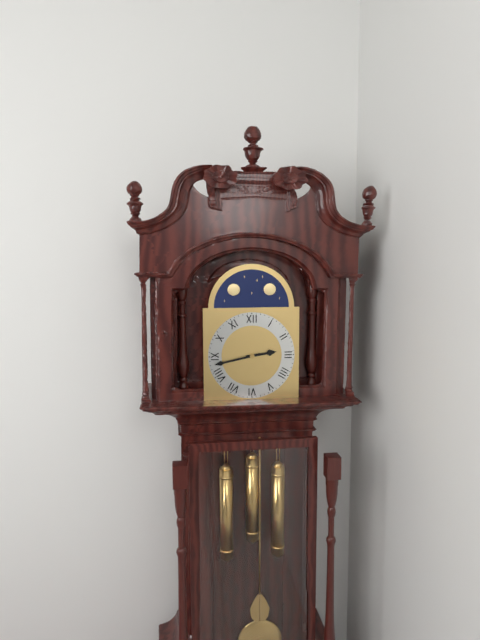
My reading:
2h43
